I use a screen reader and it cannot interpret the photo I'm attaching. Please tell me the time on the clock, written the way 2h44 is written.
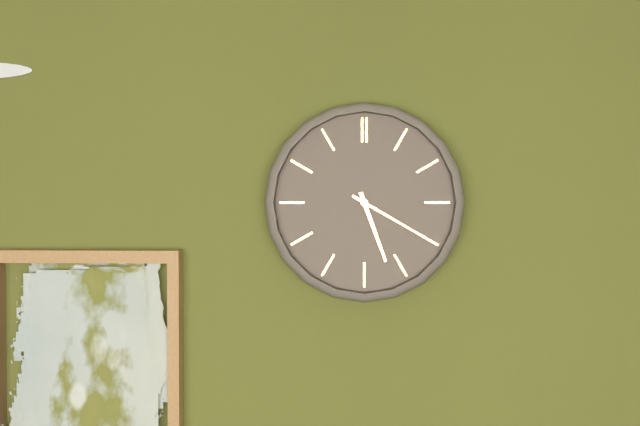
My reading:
5h20
